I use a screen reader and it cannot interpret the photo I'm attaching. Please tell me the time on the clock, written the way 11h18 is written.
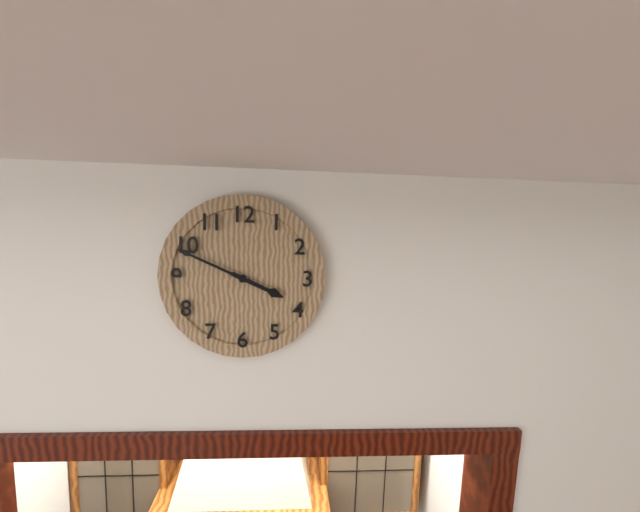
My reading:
3h49
